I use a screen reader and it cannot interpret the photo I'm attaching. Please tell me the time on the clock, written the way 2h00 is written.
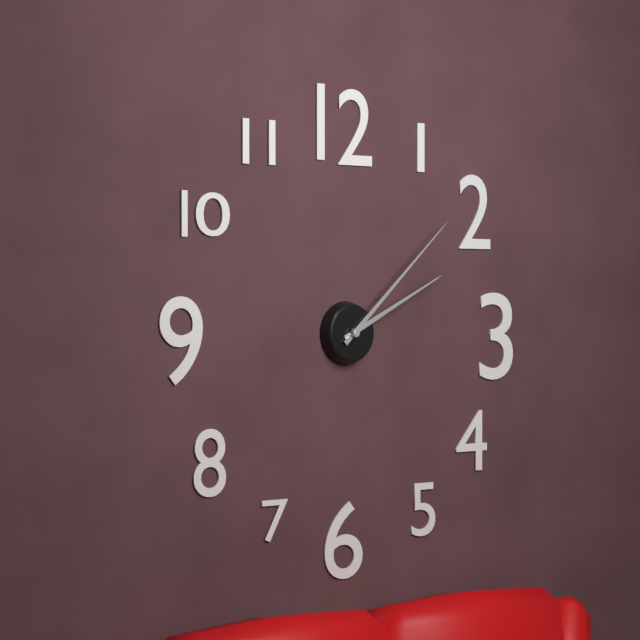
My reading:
2h08
